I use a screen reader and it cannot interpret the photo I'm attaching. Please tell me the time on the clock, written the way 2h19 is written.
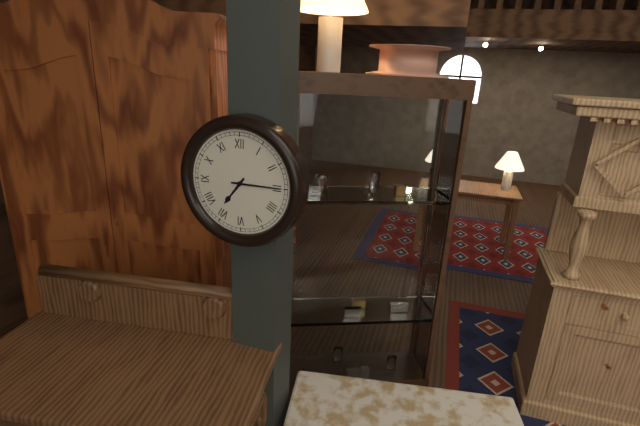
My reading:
7h15
